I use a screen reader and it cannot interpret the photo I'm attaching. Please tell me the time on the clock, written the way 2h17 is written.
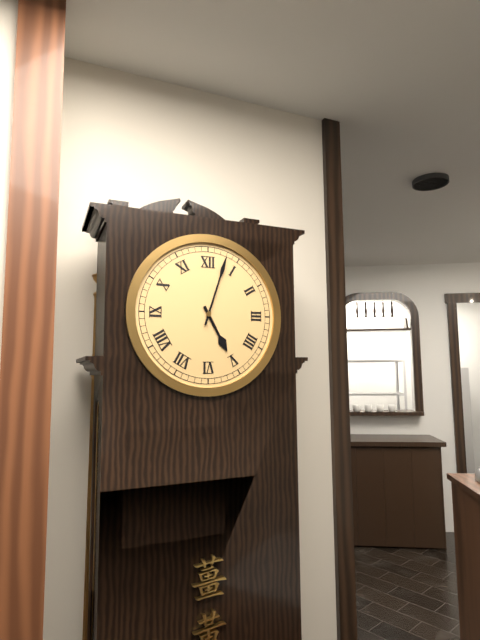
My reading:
5h03
